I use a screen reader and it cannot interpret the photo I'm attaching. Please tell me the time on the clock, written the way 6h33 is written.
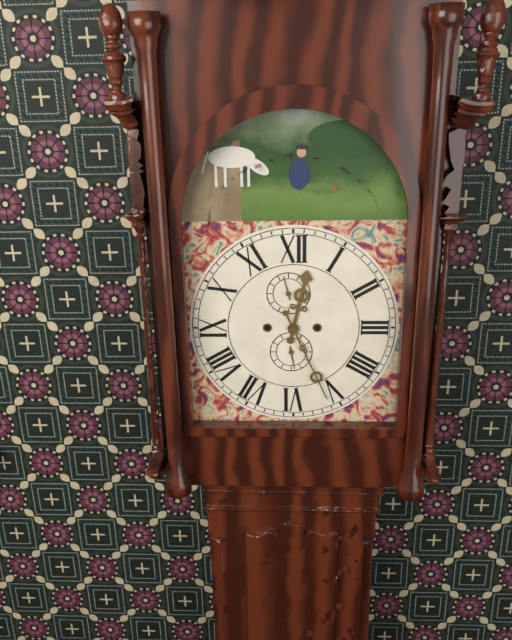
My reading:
12h26
